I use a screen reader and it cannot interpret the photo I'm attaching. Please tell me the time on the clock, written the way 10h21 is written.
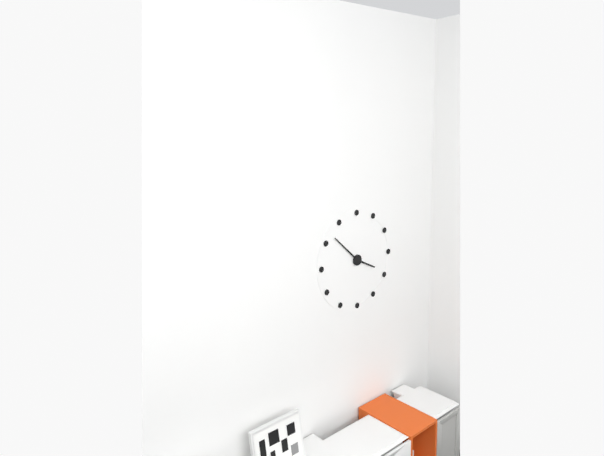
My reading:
3h52
